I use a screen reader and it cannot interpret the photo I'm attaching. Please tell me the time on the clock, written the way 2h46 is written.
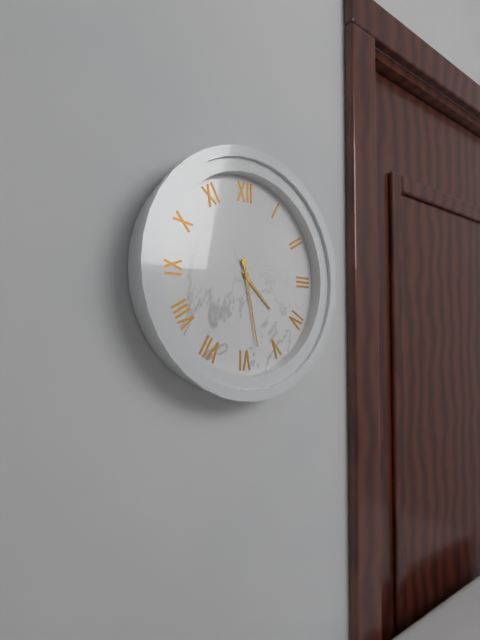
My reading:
4h28
